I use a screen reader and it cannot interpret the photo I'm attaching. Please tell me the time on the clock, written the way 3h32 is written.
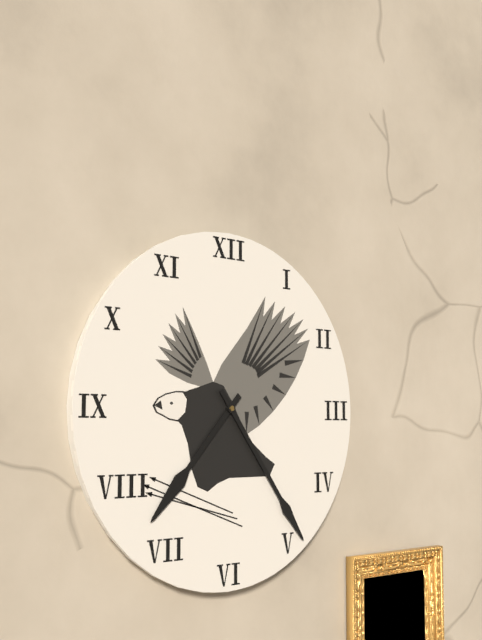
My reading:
7h24
